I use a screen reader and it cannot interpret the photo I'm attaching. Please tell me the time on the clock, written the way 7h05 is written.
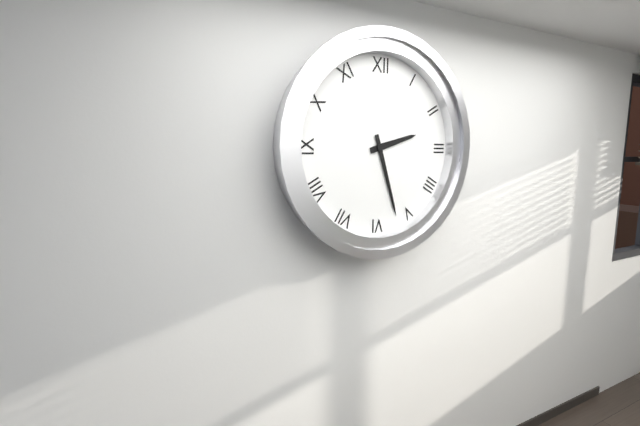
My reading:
2h27
